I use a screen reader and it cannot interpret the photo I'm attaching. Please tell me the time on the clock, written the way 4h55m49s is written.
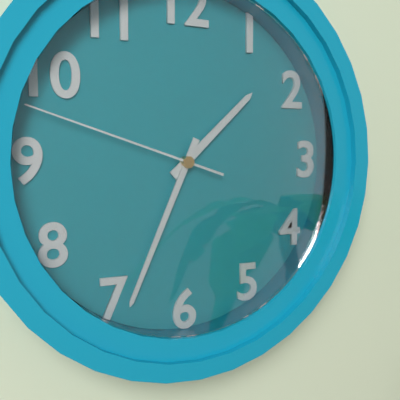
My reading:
1h34m48s
